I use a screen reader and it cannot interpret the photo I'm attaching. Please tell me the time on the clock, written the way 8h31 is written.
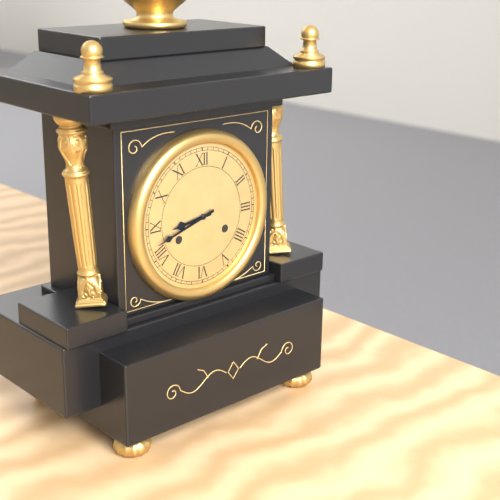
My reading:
8h42
